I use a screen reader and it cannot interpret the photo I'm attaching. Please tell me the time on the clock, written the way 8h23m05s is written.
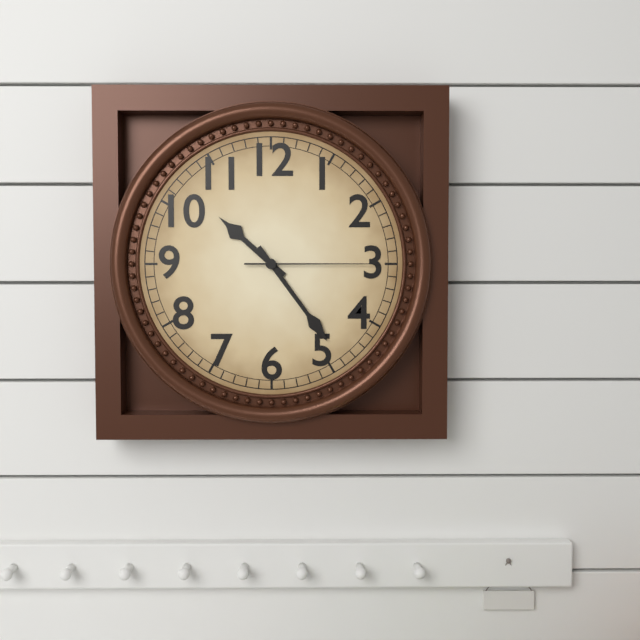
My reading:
10h24m15s
